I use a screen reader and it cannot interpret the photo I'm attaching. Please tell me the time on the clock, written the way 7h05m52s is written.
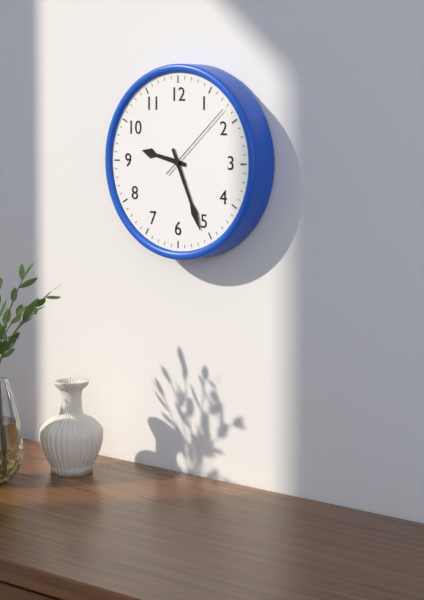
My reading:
9h26m08s
